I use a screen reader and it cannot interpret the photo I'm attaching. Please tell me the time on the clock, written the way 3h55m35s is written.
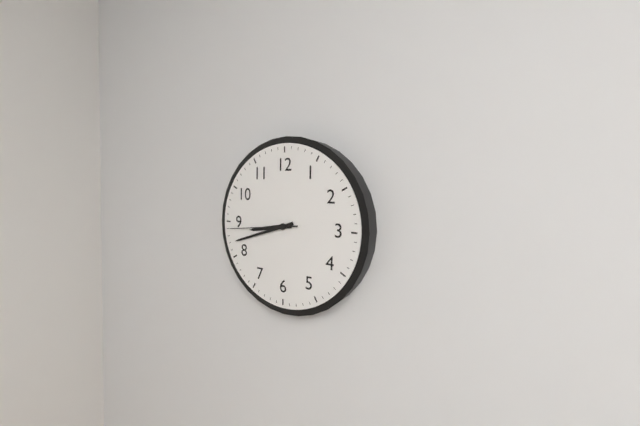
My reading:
8h42m44s
